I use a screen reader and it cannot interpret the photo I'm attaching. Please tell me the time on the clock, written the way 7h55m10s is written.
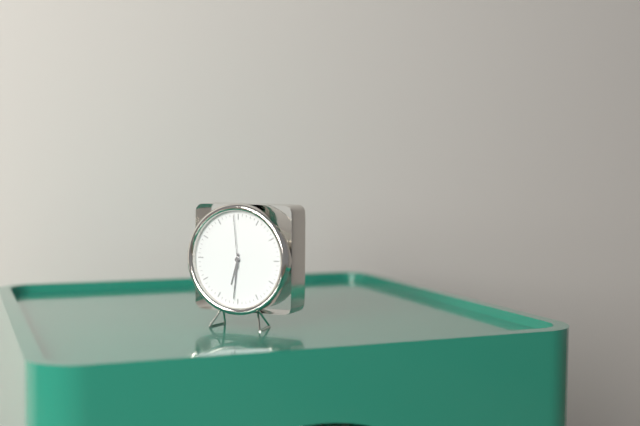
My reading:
6h31m59s
